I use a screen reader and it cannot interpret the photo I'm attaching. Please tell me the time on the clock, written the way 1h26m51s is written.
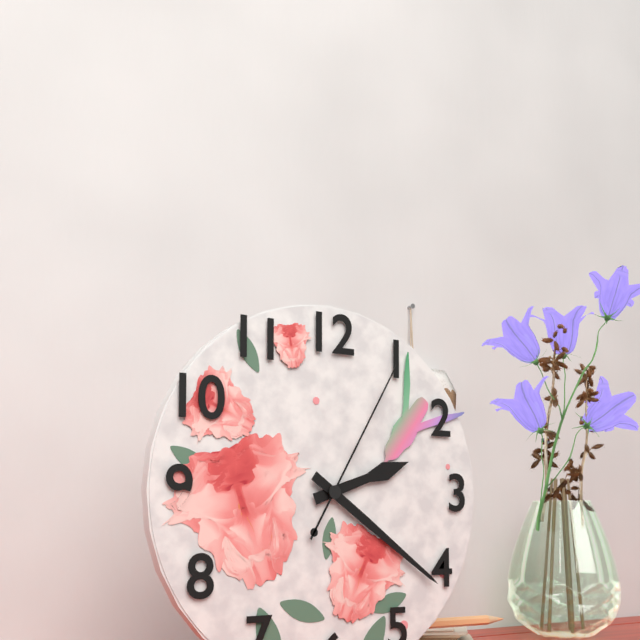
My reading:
2h21m05s
